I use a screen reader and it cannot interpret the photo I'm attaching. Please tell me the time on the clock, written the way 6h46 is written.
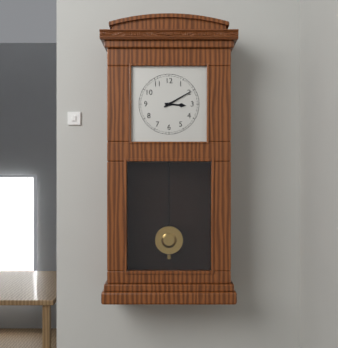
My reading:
3h10
